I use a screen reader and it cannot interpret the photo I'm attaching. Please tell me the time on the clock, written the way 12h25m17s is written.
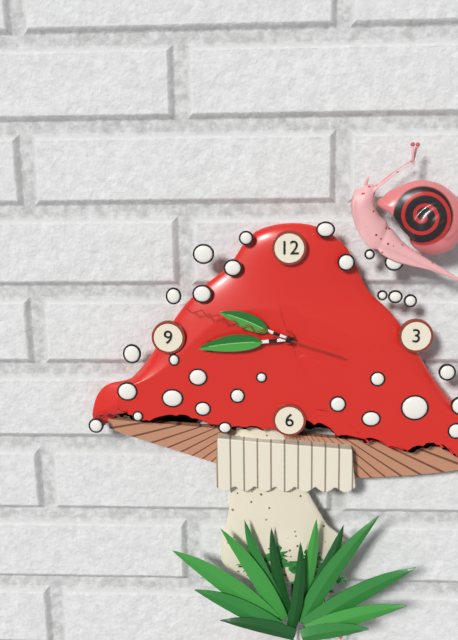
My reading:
9h44m48s
